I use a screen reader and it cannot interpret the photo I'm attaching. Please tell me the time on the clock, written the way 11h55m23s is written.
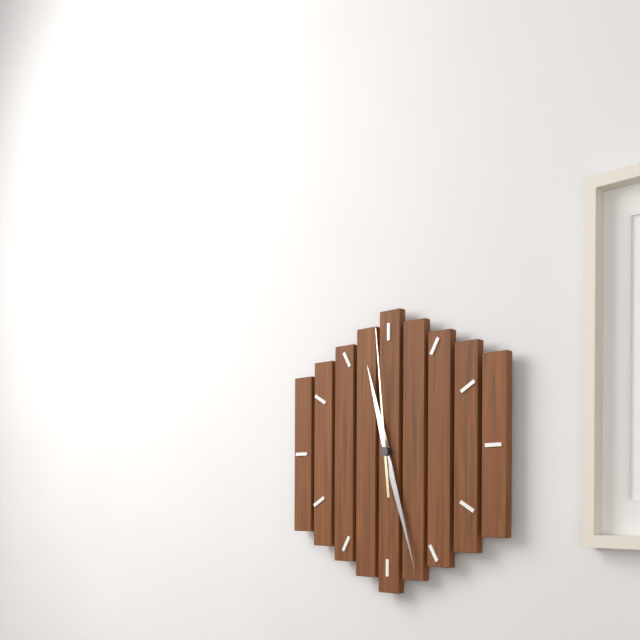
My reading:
11h27m59s
